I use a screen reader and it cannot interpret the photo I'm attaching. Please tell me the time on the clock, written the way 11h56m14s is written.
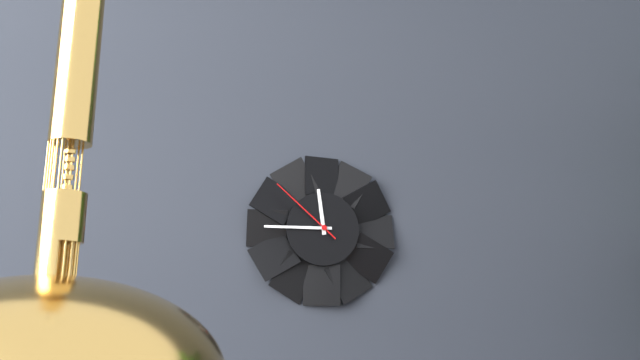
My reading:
11h45m52s
